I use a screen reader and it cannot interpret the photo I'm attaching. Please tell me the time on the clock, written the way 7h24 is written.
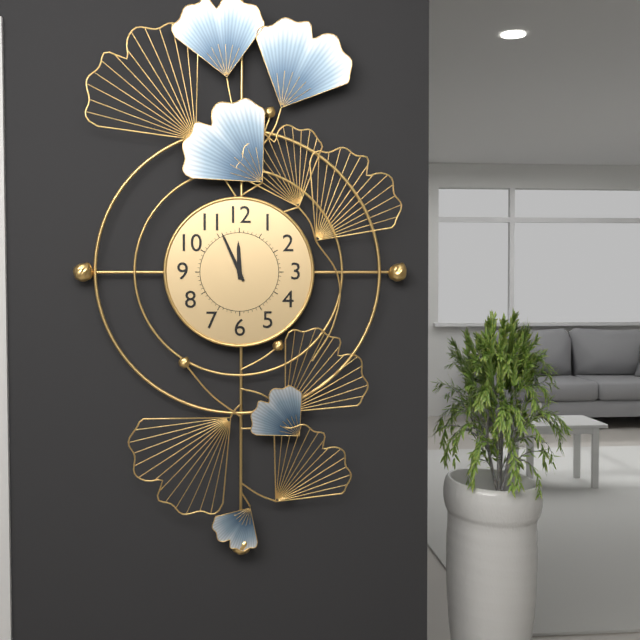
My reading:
11h56
